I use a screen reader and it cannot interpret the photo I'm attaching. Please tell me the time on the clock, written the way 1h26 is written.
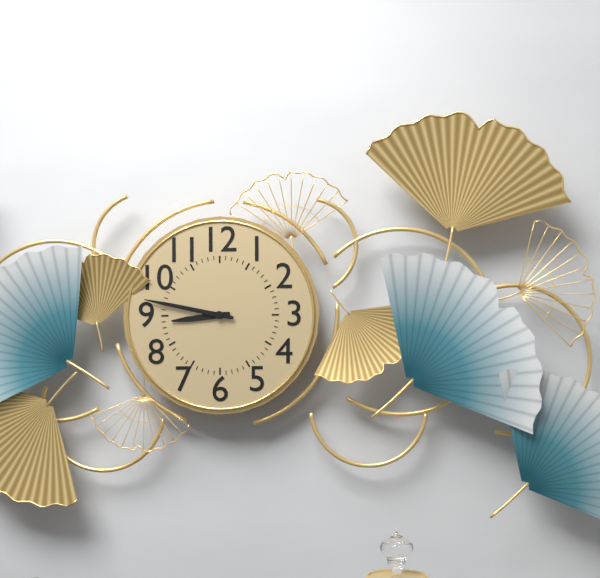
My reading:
8h47
